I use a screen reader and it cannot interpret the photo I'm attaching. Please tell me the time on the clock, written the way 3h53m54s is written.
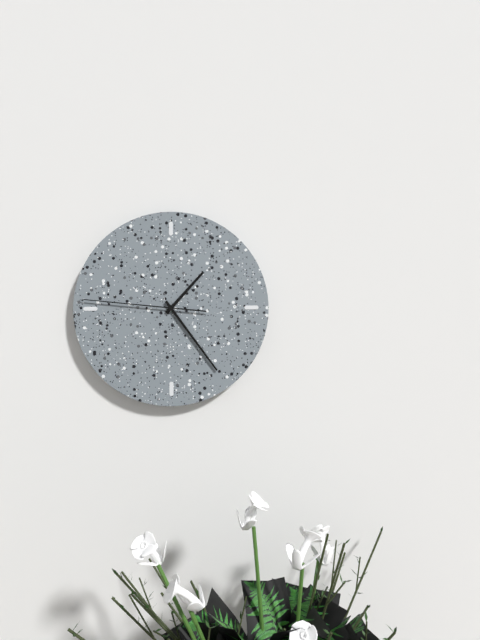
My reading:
1h24m46s
